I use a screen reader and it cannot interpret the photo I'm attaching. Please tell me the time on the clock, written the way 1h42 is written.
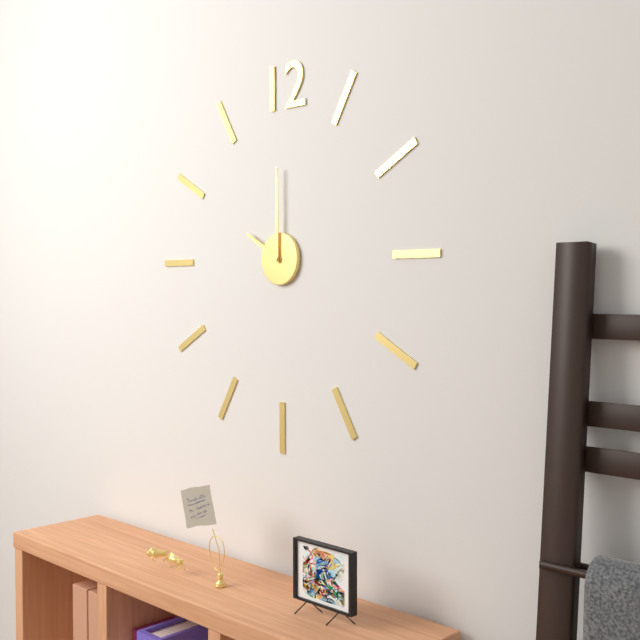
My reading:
10h00
